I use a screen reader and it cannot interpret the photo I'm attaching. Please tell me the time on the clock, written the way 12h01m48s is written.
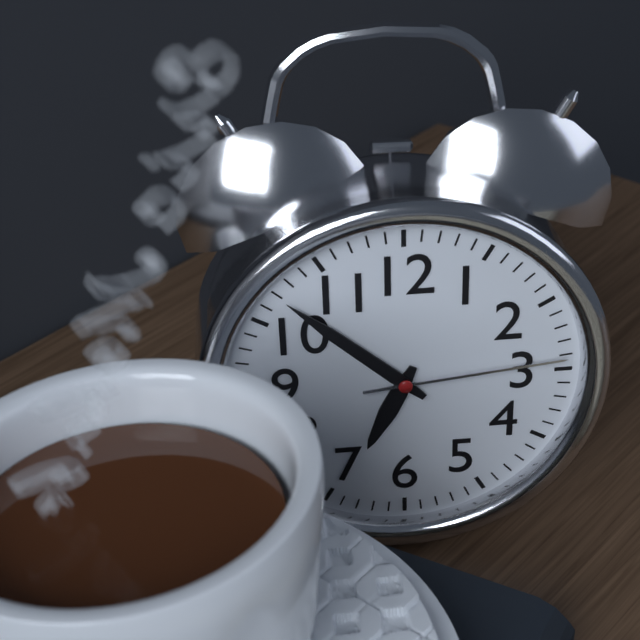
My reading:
6h52m14s
